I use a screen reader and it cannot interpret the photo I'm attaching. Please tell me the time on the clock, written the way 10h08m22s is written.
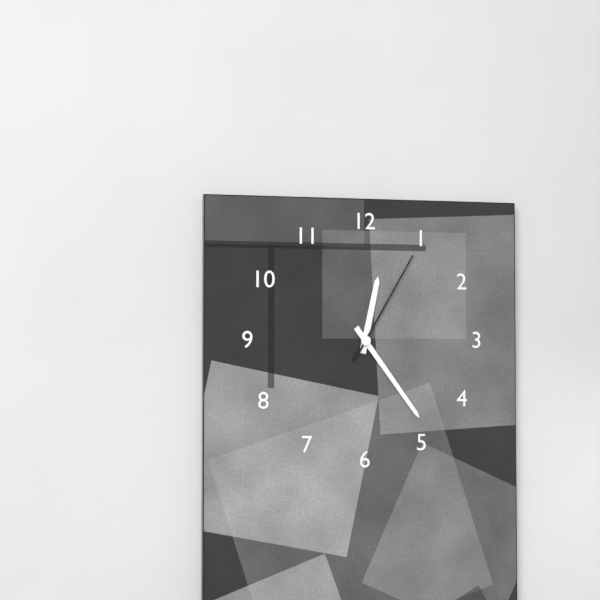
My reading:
12h24m05s
